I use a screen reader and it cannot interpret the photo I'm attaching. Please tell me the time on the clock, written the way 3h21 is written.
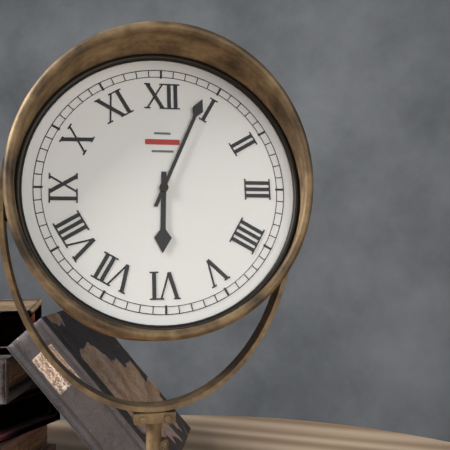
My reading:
6h04
